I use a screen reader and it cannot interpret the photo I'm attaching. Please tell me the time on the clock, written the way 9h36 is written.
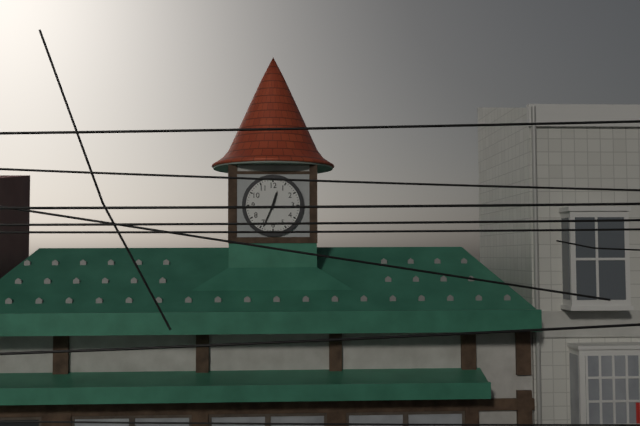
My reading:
12h34
